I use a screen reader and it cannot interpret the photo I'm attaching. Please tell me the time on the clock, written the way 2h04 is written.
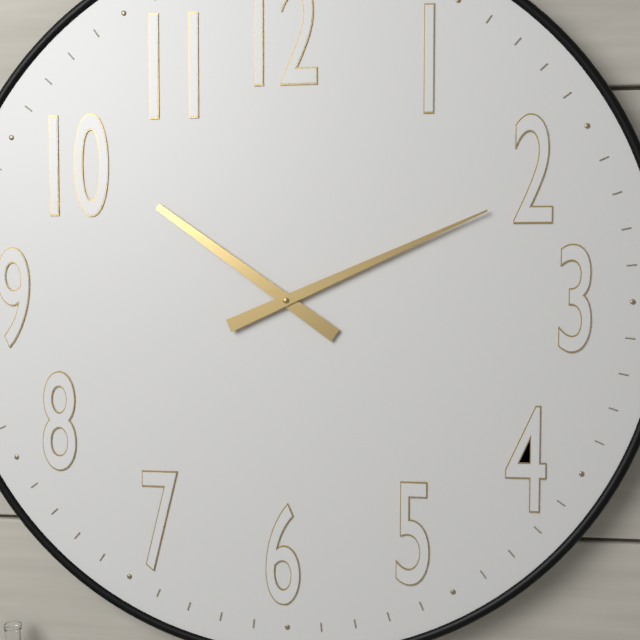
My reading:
10h11
